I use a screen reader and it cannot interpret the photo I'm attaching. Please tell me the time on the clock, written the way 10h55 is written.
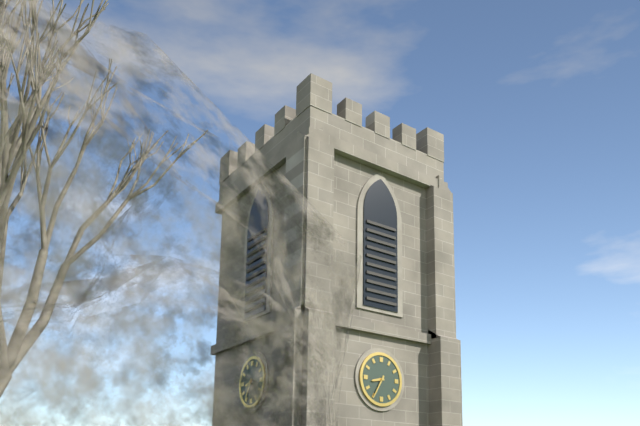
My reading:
8h35
